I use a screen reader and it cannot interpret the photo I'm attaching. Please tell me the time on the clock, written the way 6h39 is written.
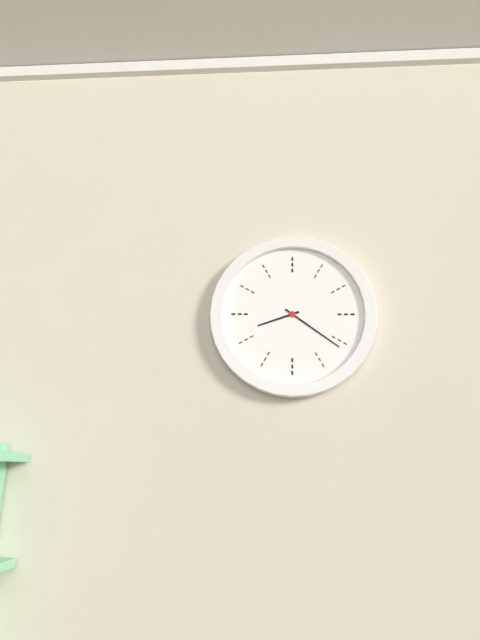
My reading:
8h21
